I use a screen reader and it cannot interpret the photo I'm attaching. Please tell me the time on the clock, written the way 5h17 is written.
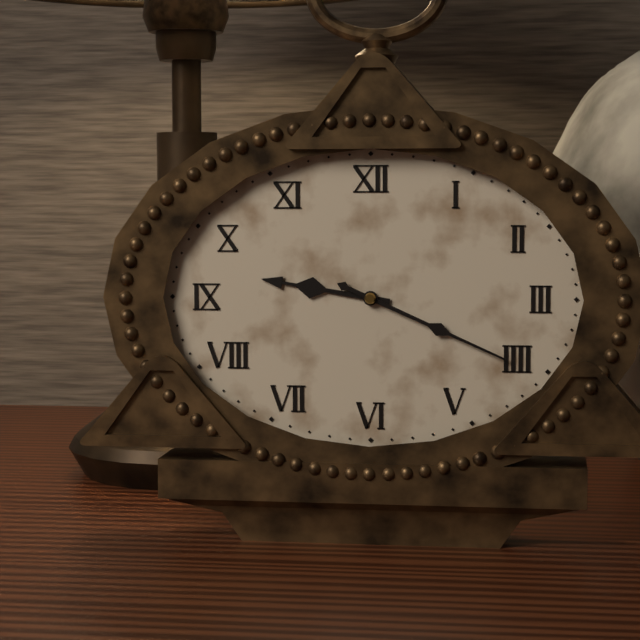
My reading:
9h19
